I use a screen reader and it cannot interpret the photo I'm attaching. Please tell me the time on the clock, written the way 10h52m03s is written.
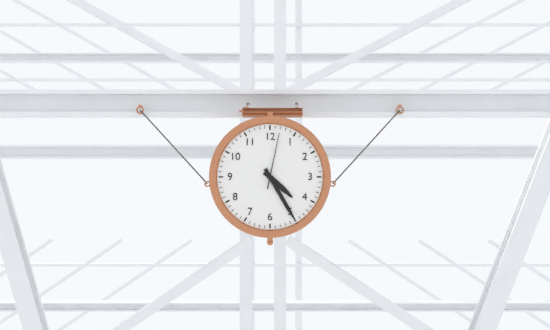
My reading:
4h25m02s
